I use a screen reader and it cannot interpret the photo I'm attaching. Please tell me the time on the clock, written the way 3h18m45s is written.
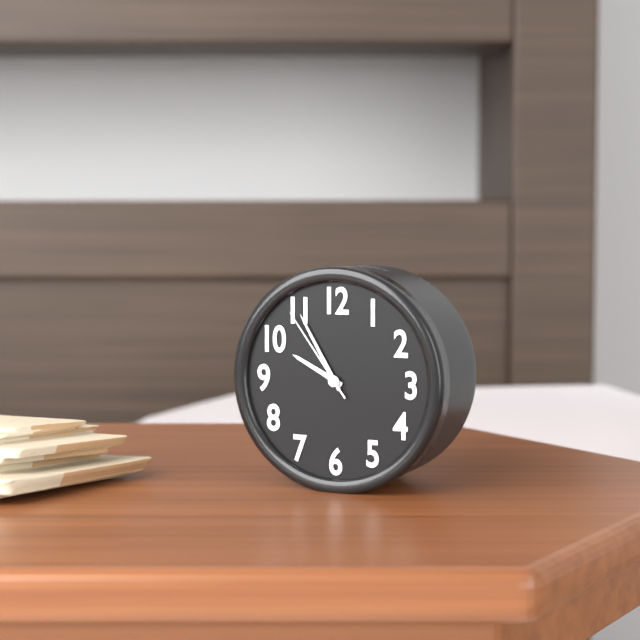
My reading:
9h55m54s
